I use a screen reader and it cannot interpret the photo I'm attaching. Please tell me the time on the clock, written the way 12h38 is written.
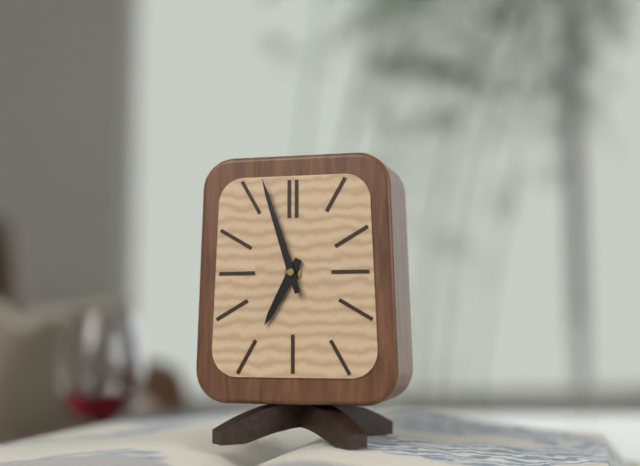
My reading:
6h57
